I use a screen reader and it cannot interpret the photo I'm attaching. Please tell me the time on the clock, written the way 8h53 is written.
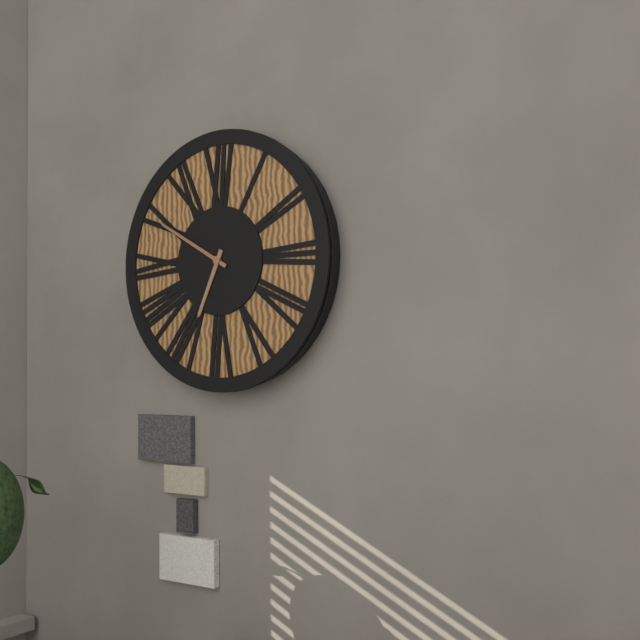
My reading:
6h50
